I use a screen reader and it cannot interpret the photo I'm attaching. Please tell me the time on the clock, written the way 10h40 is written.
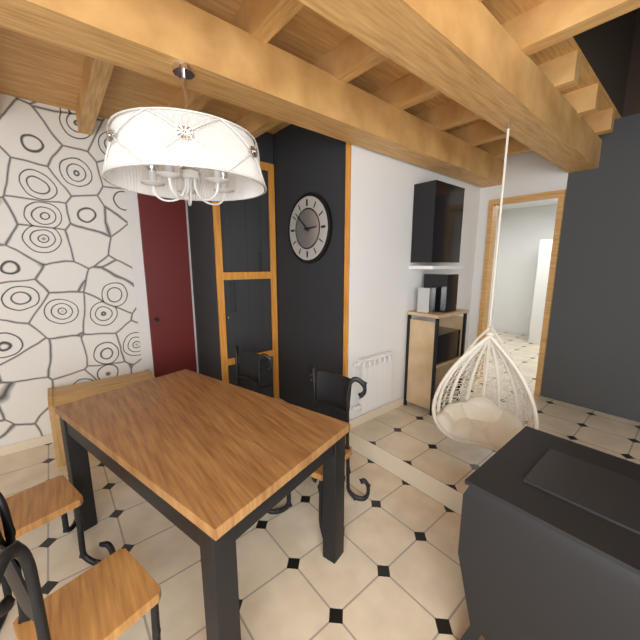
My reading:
2h52
